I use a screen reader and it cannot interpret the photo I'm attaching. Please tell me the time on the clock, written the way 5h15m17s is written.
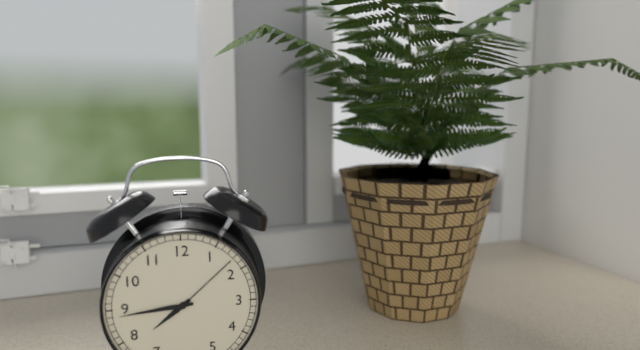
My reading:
7h44m08s
